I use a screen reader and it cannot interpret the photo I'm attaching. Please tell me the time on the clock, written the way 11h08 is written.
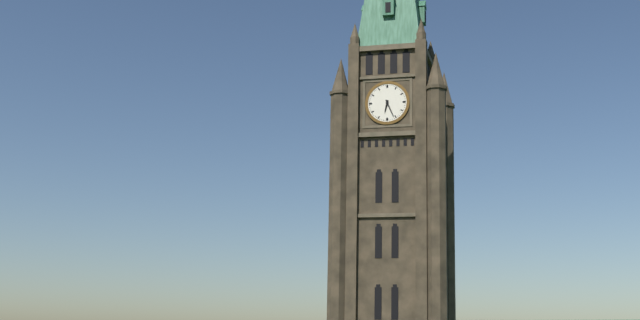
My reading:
6h26
